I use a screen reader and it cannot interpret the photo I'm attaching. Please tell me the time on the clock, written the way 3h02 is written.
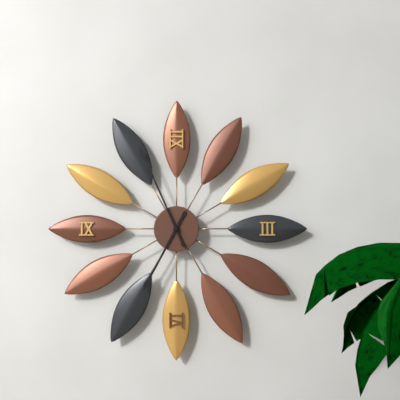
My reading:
6h56
